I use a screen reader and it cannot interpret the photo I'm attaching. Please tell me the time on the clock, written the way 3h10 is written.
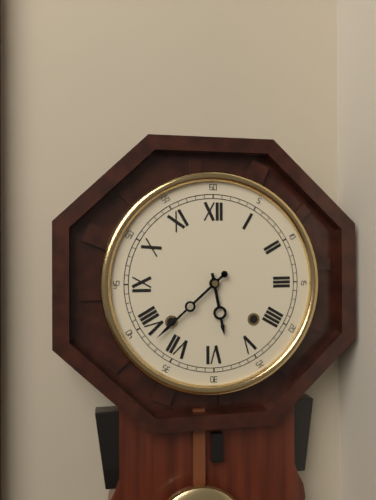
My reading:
5h38
